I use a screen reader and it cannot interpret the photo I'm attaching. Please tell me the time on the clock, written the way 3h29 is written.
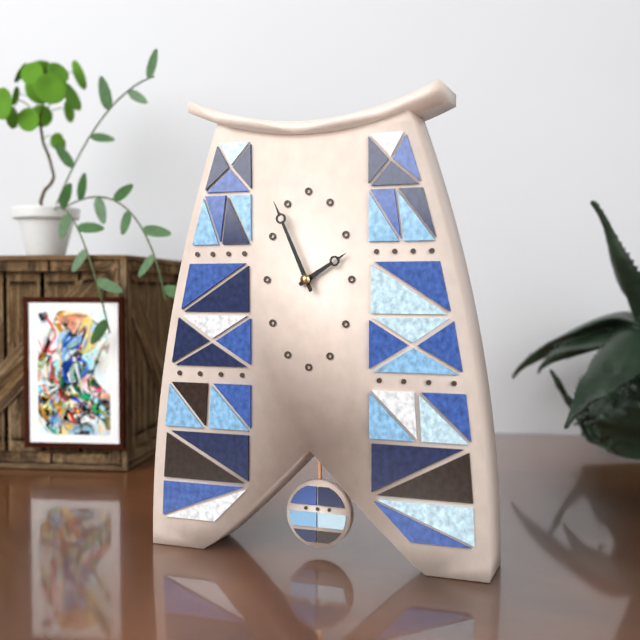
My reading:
1h56
